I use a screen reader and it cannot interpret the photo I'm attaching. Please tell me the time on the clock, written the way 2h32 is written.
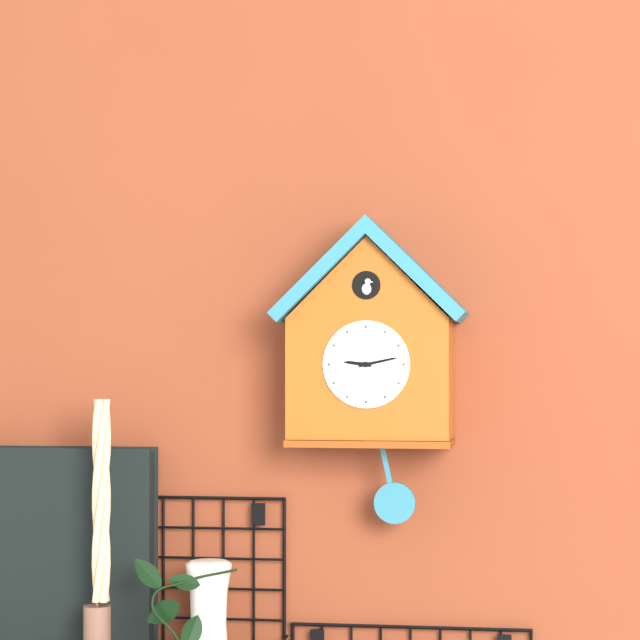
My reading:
9h13
